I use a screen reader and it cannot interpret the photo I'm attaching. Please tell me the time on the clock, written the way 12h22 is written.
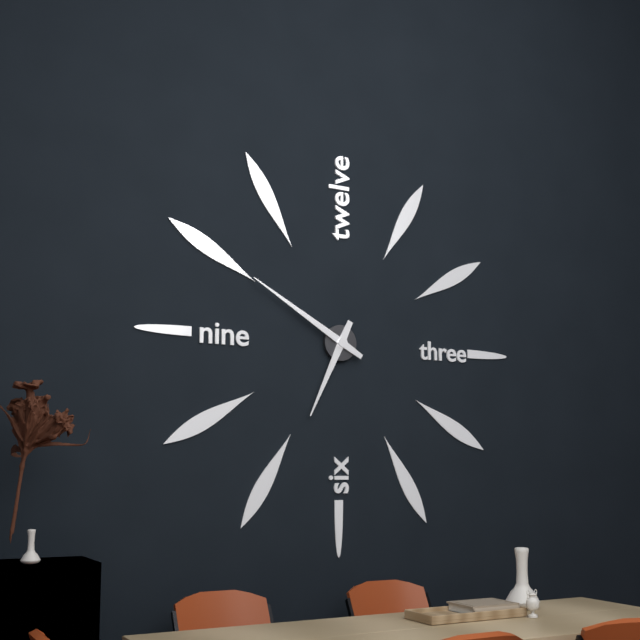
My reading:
6h50
